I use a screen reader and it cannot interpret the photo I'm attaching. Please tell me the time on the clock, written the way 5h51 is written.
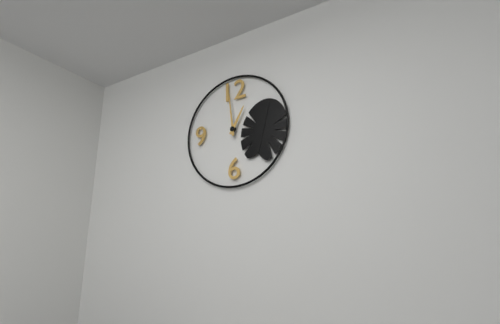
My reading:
12h59
